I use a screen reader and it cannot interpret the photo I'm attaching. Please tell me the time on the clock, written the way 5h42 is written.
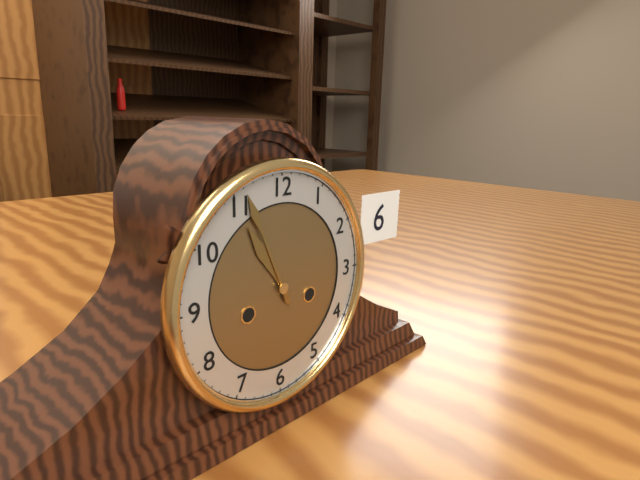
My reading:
10h56
